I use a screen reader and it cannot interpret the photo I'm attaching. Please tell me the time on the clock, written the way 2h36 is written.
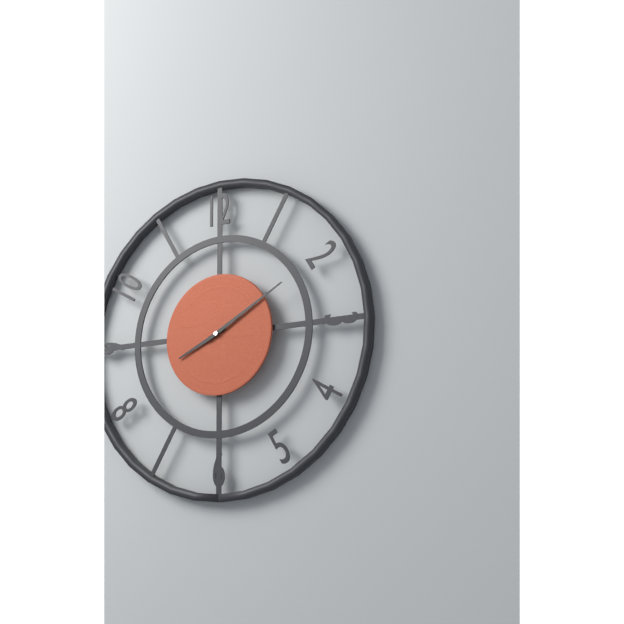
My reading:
8h10
